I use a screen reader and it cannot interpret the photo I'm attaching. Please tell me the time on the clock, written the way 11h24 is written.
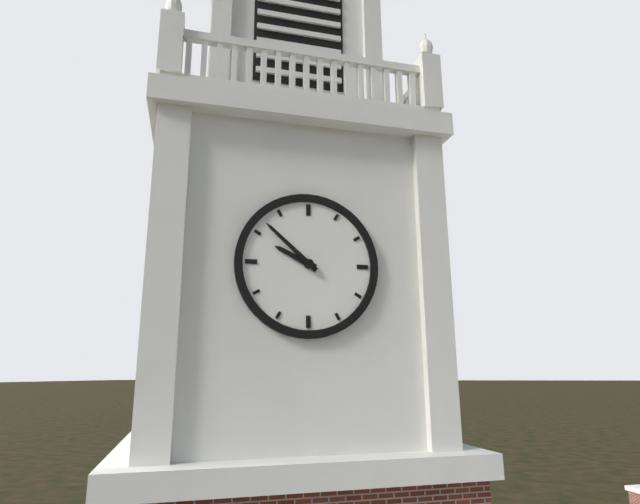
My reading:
9h52
